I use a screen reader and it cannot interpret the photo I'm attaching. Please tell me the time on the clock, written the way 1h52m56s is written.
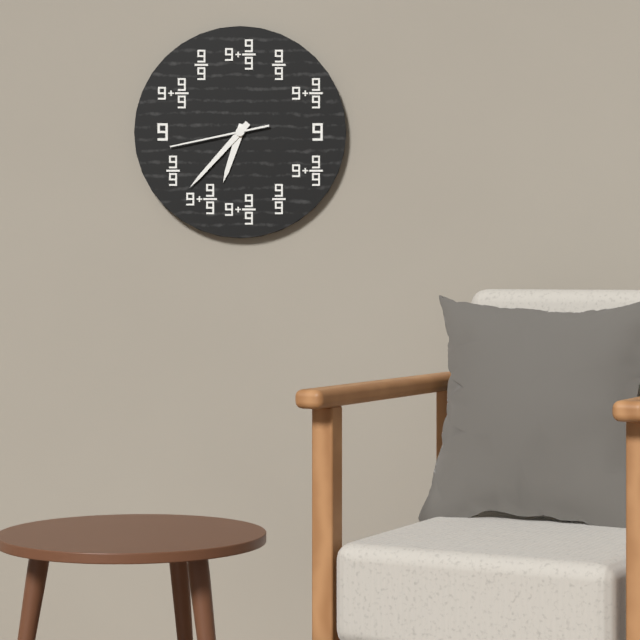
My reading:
6h37m43s
